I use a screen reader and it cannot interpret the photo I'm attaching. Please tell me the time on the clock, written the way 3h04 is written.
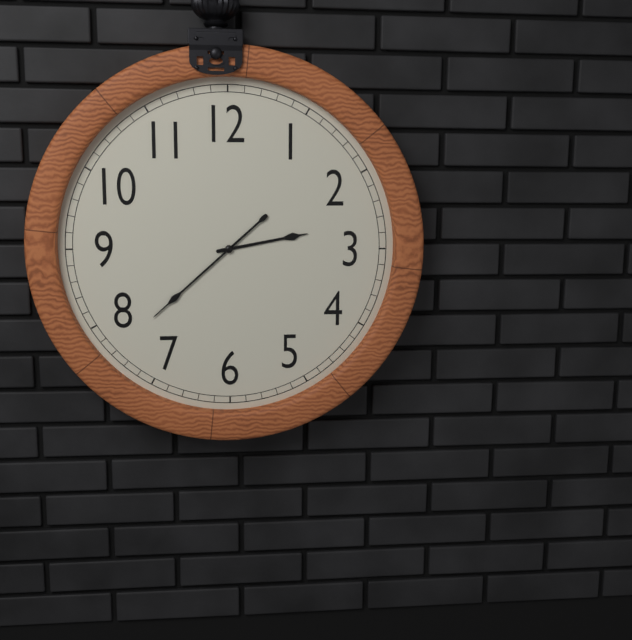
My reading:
2h38
